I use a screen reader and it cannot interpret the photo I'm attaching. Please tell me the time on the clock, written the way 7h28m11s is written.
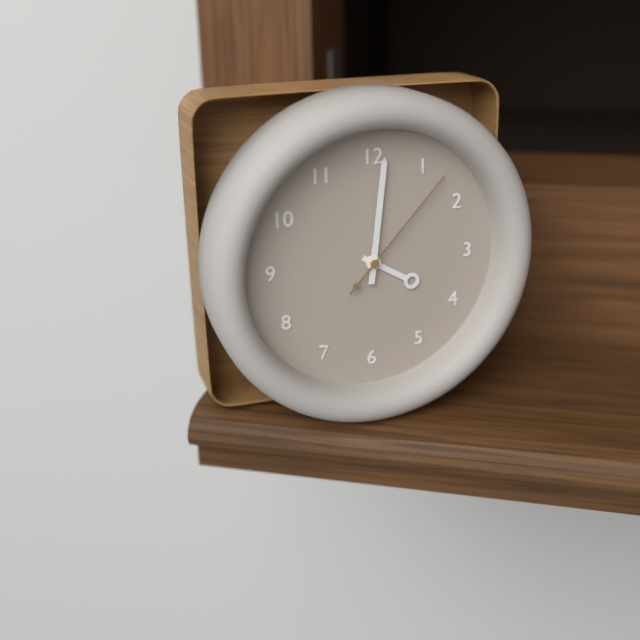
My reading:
4h01m07s
